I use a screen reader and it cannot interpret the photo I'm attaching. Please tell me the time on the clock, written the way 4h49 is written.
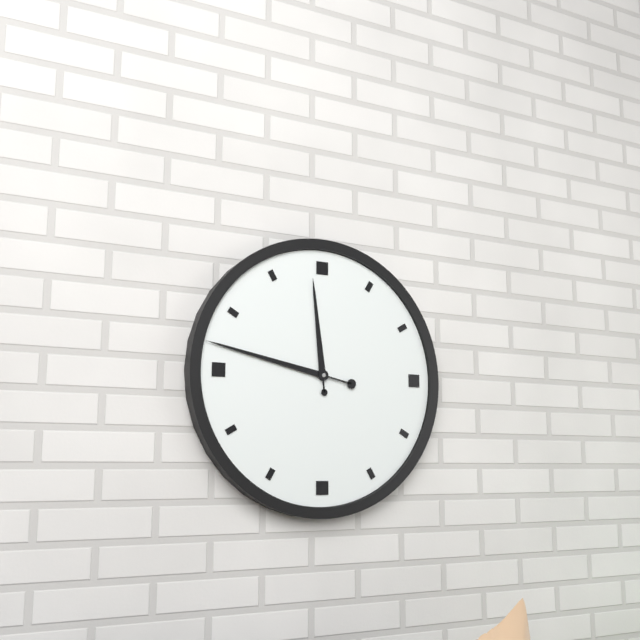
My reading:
11h47
